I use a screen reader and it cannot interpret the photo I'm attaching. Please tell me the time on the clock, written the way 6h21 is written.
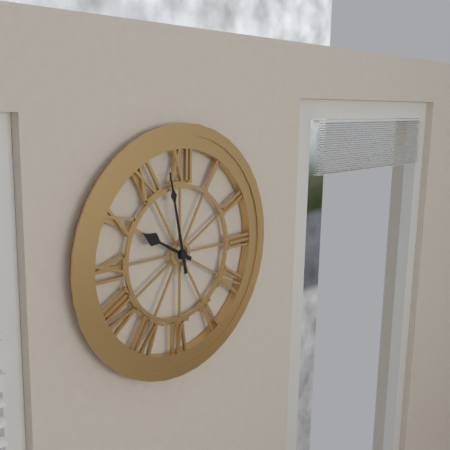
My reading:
9h58
